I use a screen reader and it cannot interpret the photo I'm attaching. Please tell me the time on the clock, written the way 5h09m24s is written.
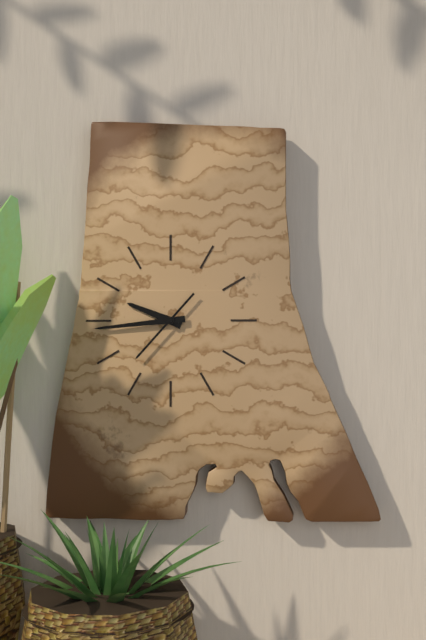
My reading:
9h44m37s
